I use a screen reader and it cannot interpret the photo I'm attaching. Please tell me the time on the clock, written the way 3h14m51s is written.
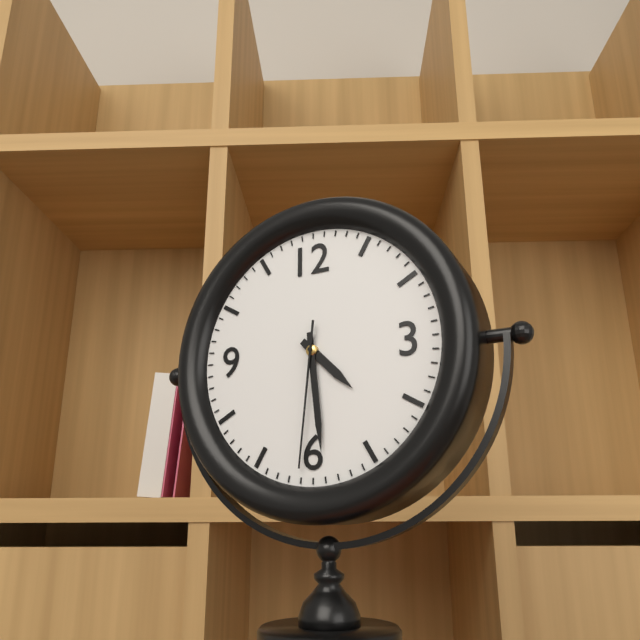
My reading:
4h29m31s
